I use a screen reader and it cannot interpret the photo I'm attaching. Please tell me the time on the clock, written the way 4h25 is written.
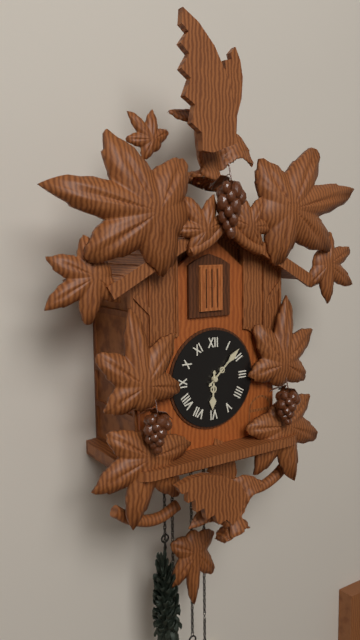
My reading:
6h08
